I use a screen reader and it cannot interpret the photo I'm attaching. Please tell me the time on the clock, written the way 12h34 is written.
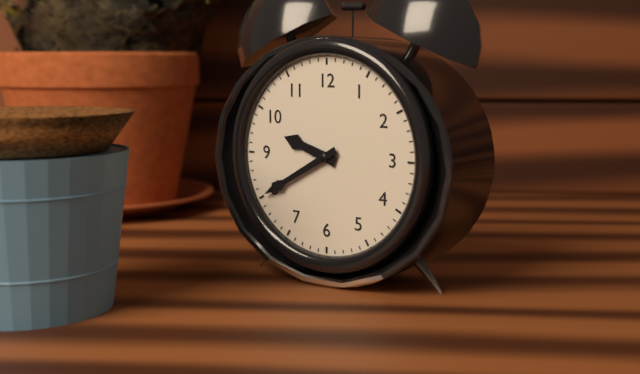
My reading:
9h40
